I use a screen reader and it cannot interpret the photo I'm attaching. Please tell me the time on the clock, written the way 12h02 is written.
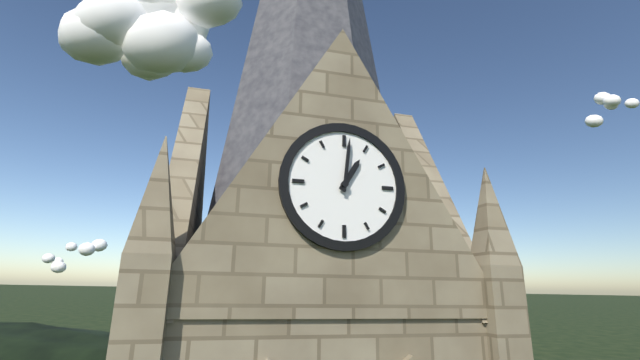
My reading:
1h01
